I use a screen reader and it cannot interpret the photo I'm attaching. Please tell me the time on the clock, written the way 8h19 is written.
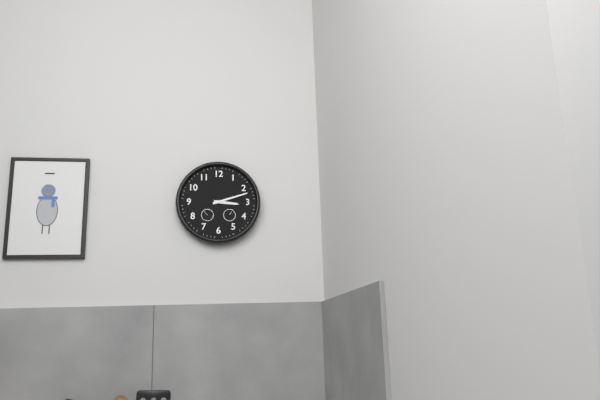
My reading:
3h12
